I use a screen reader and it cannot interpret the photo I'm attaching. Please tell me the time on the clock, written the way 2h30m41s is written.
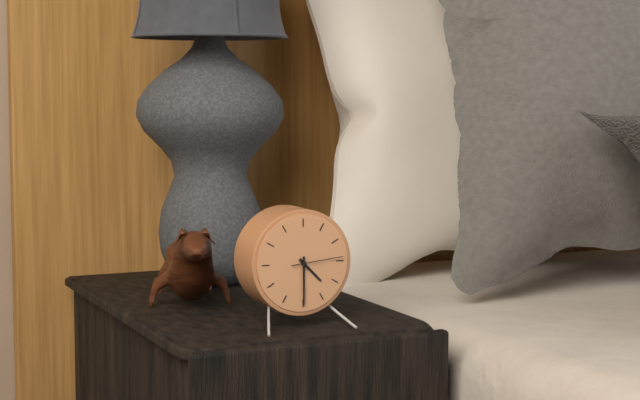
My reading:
4h30m14s
